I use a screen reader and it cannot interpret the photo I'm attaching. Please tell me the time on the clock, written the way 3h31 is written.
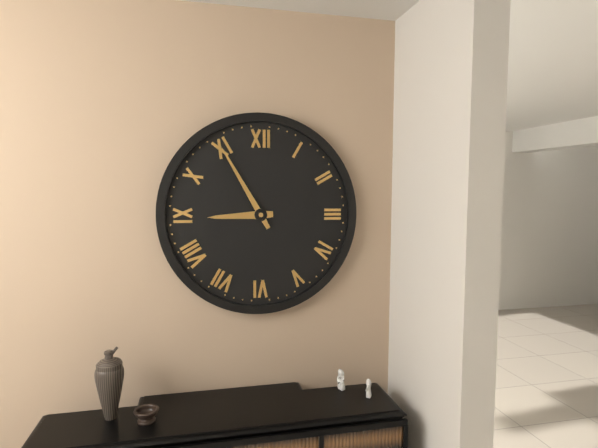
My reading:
8h55
